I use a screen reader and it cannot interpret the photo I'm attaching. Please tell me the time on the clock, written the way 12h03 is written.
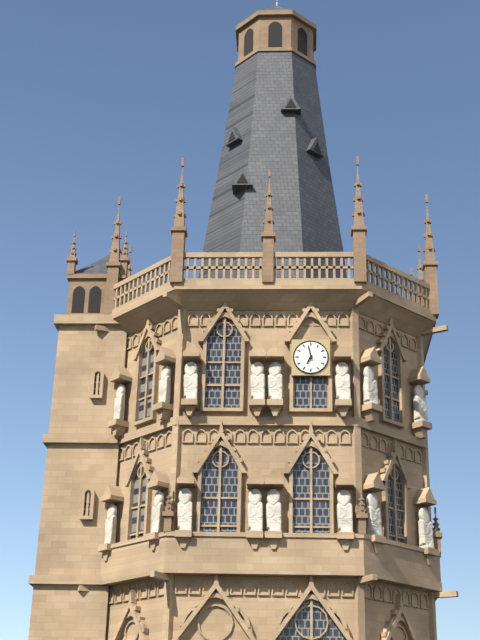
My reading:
6h58
